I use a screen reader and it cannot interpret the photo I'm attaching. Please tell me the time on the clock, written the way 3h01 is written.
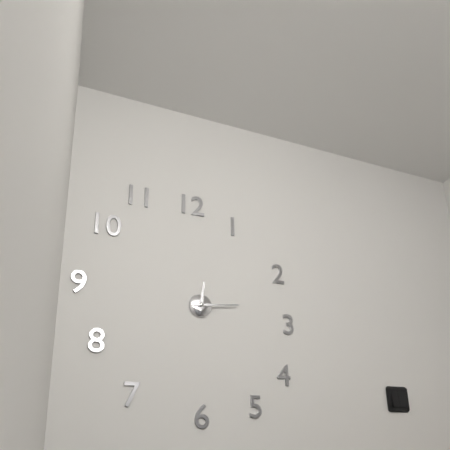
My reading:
12h14
